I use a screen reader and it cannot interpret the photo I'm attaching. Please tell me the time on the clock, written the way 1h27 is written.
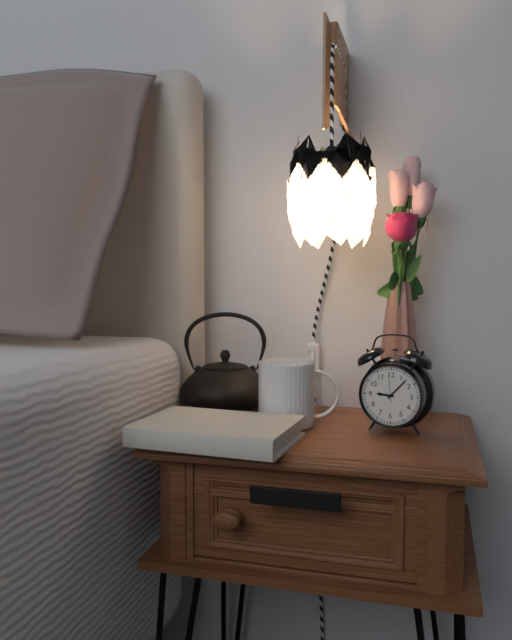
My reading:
9h07
